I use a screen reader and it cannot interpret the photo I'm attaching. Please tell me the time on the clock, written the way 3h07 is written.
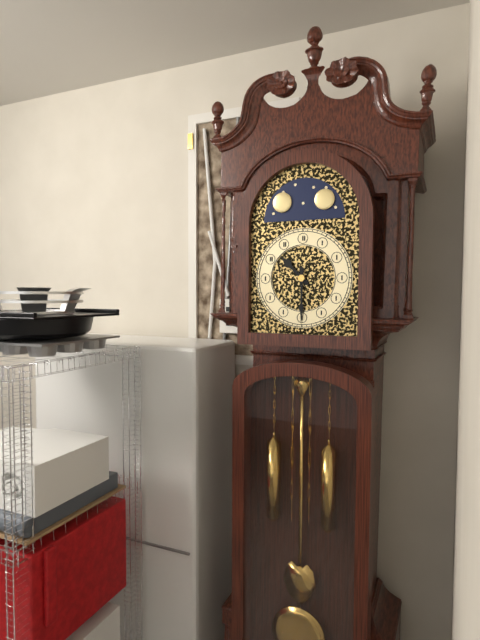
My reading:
10h30
